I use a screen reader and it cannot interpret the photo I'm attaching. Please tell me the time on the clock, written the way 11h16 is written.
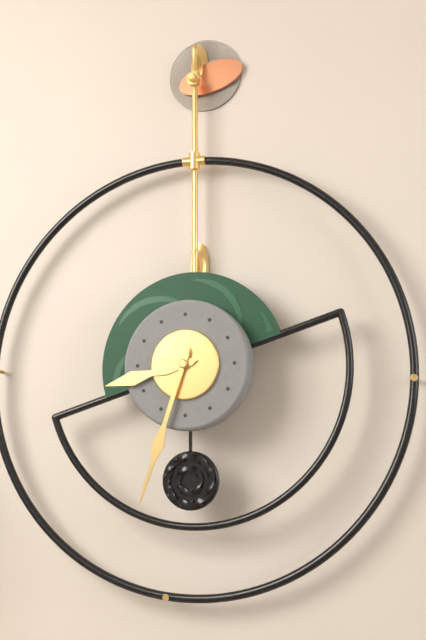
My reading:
8h33
